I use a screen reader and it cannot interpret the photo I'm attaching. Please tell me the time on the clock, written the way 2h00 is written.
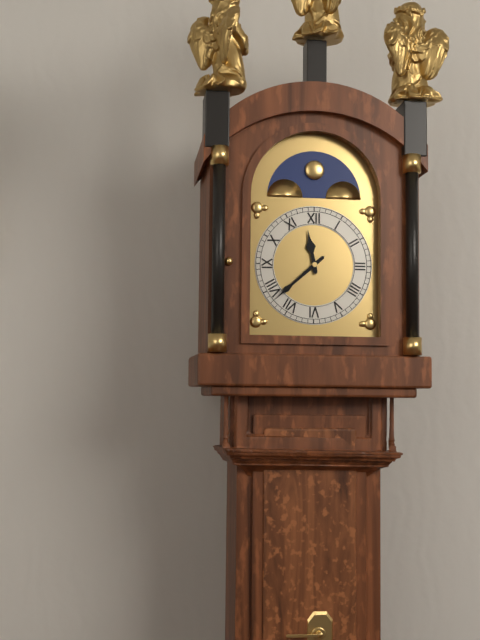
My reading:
11h38
